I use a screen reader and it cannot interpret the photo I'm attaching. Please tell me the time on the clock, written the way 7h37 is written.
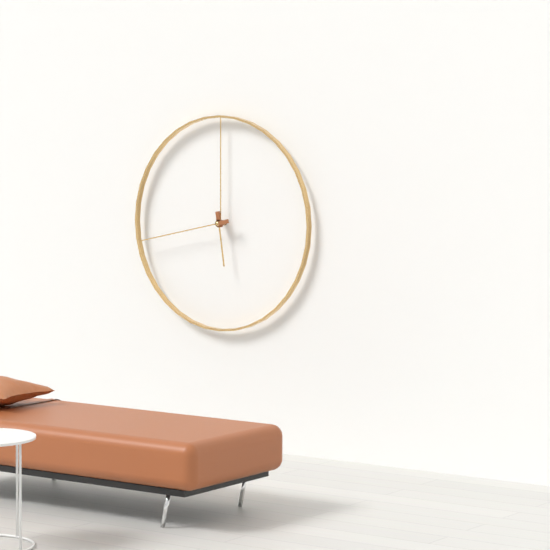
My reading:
5h43
